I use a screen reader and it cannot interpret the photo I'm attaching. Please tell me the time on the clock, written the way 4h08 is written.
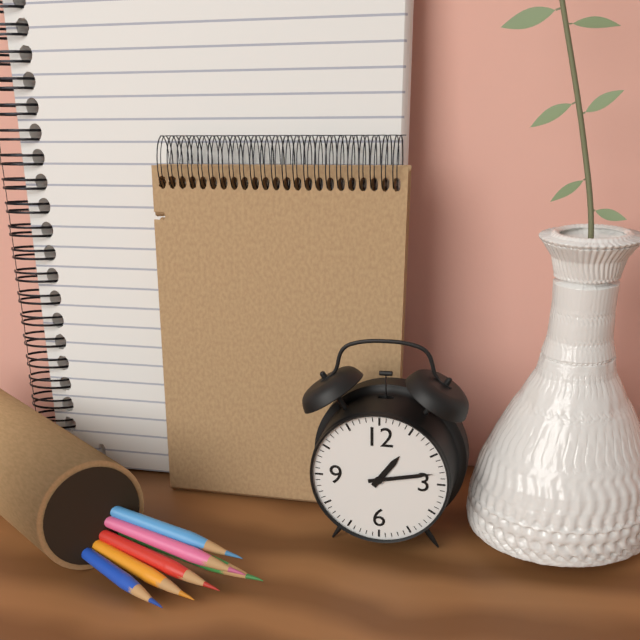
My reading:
1h13
